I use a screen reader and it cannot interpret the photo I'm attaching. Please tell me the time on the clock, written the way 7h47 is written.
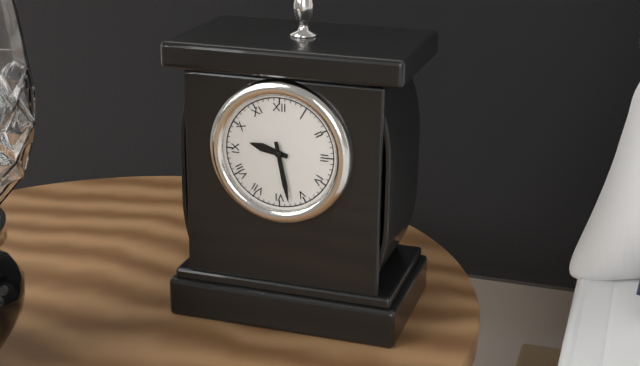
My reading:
9h28
